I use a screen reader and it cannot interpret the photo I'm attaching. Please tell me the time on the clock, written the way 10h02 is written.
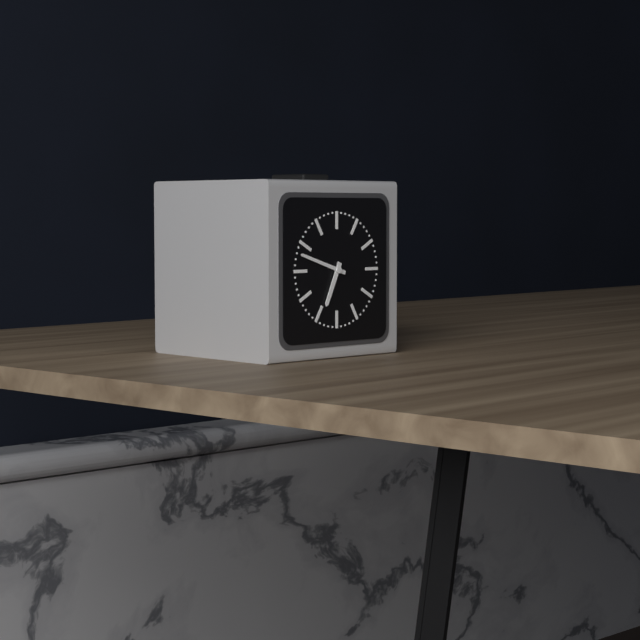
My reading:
6h48
